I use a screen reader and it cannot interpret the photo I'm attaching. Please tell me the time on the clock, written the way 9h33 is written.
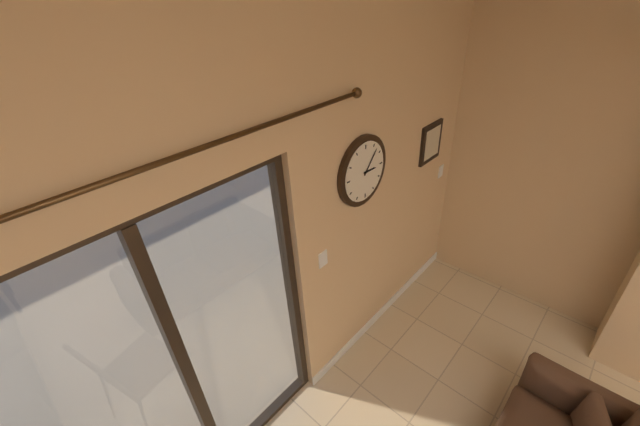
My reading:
3h07
